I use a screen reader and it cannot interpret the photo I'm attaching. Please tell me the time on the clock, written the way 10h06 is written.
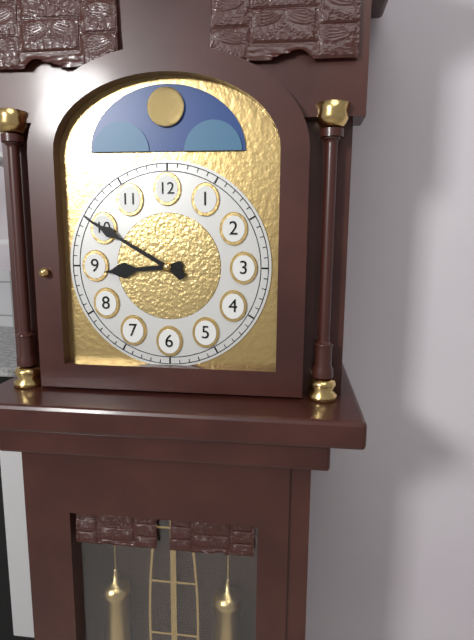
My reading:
8h50
